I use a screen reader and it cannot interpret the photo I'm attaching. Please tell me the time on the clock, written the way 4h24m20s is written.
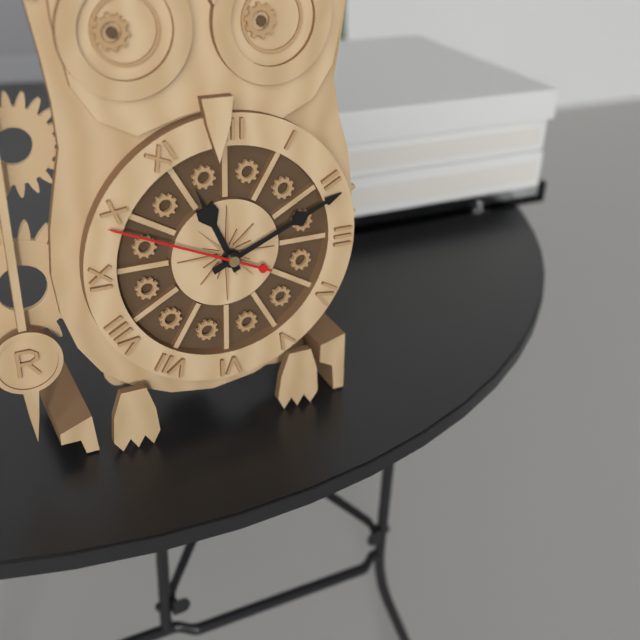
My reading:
11h11m49s
